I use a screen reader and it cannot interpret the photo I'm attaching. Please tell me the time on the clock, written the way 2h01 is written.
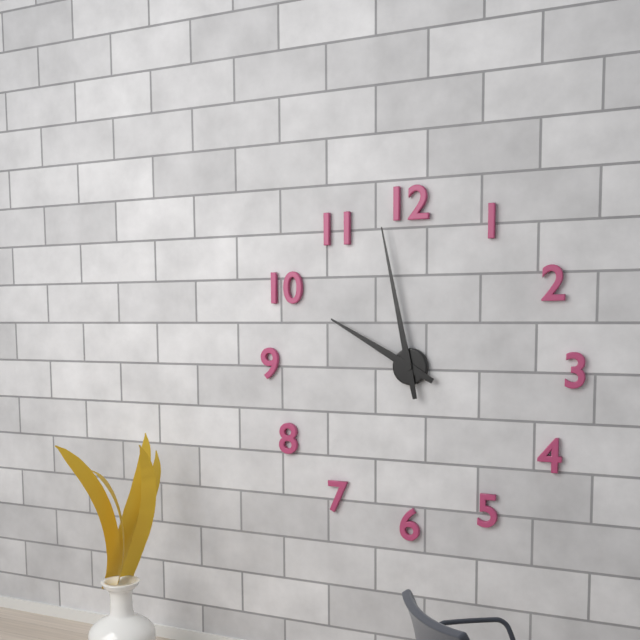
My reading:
9h58
